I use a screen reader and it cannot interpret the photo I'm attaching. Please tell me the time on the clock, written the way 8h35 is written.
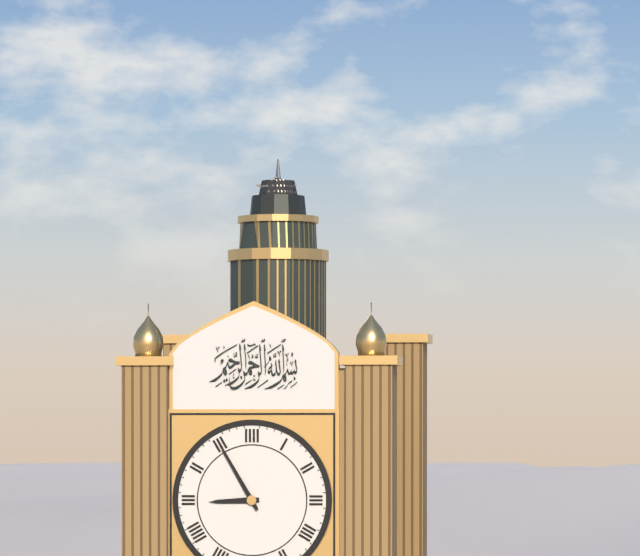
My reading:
8h55
